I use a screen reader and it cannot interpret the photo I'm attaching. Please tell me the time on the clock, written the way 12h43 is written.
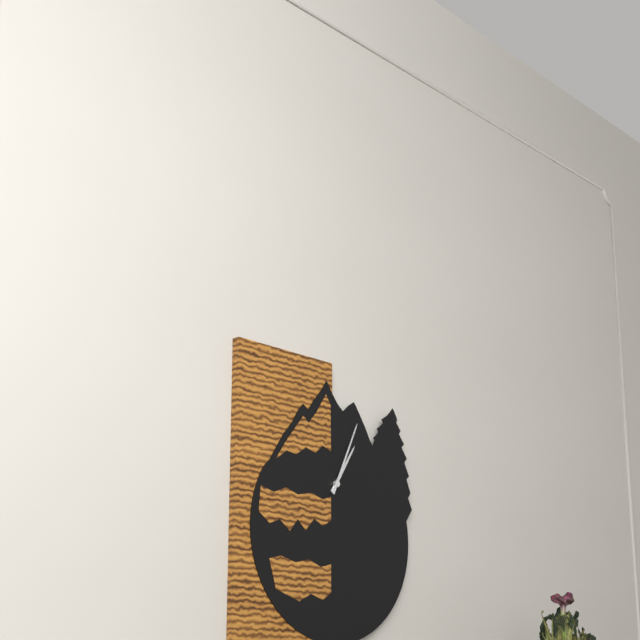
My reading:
1h04
